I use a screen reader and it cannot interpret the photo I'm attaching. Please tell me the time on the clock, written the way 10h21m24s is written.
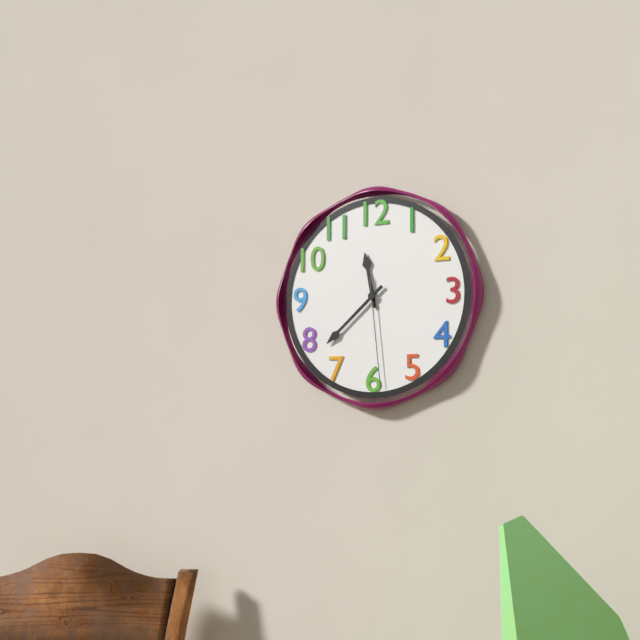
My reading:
11h38m29s
